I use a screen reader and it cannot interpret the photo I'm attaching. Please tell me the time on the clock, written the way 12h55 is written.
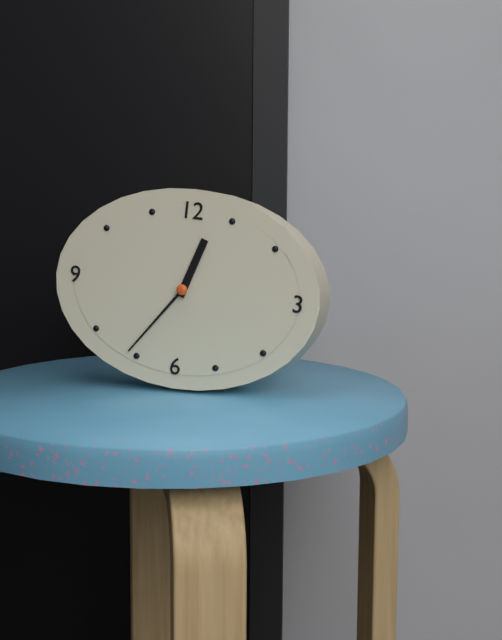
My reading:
12h36
